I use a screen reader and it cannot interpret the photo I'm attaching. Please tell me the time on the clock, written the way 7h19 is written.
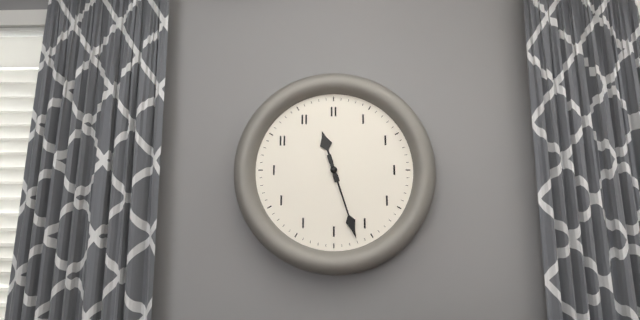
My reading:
11h27
